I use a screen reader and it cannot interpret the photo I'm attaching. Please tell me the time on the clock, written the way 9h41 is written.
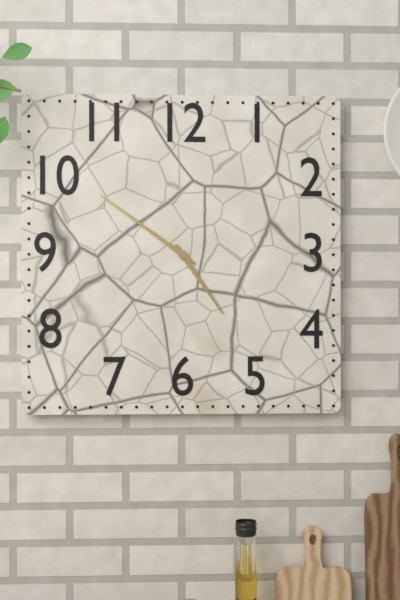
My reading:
4h51
